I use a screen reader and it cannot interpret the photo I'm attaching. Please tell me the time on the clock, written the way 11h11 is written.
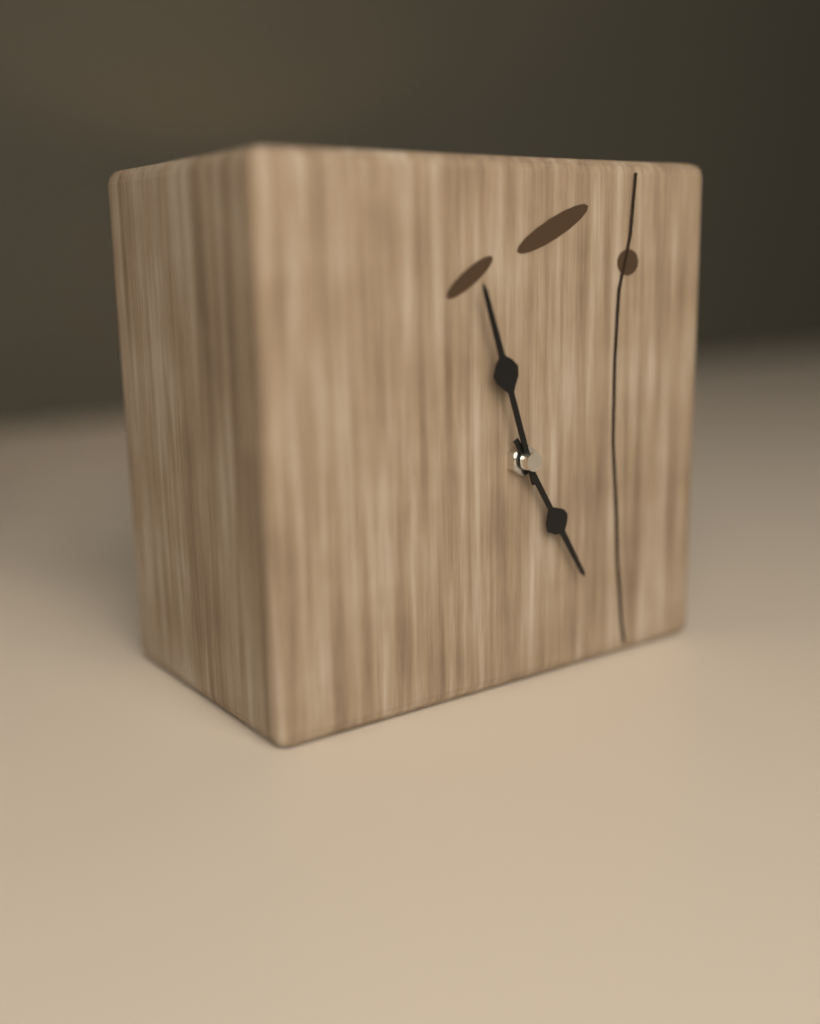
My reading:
4h57
